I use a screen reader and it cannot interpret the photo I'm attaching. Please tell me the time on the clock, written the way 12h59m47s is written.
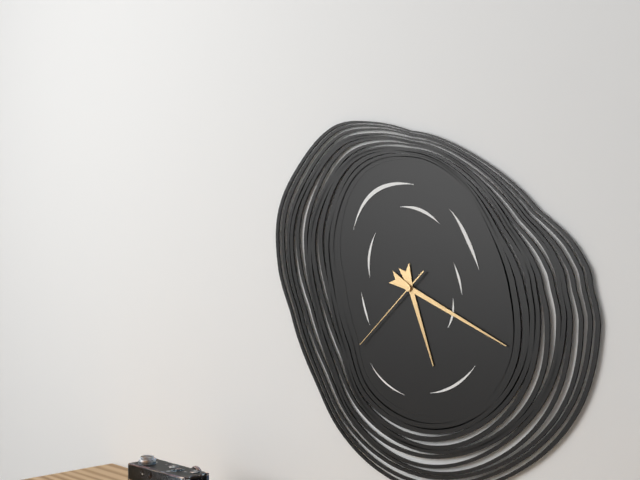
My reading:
5h19m38s
